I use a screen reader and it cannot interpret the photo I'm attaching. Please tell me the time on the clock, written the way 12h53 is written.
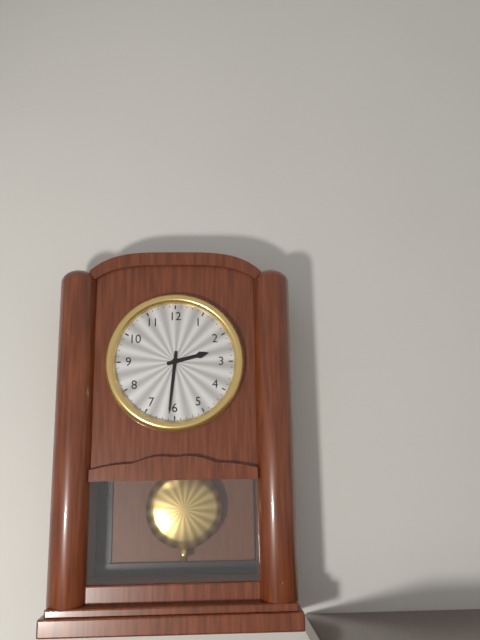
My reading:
2h31
